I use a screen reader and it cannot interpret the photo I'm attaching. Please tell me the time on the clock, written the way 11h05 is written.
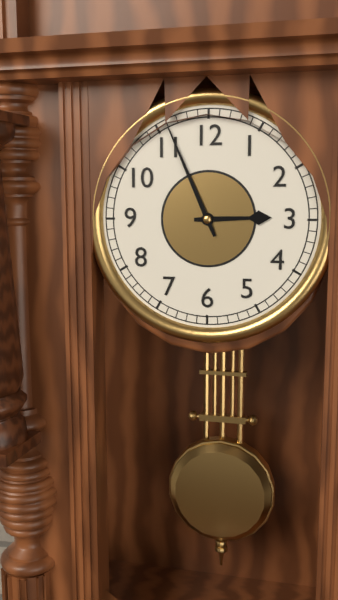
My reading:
2h56
